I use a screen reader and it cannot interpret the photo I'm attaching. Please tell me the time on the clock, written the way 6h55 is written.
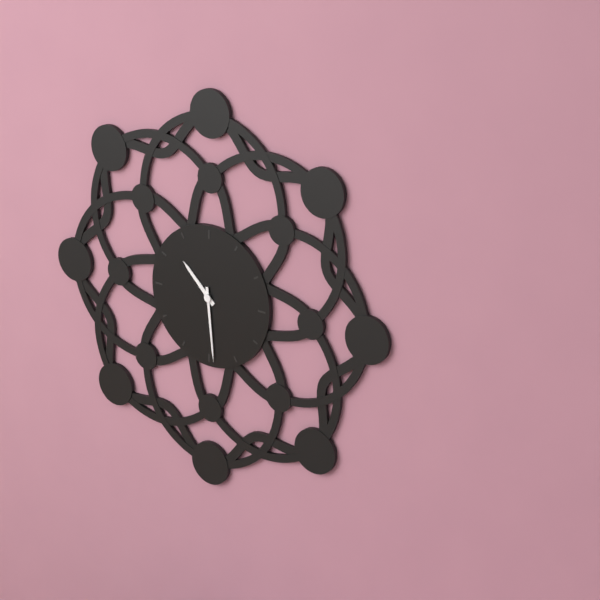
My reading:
10h29
